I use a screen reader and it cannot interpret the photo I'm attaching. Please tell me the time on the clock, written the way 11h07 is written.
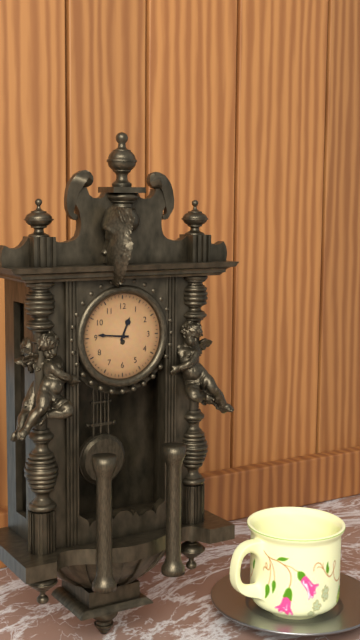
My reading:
12h46
